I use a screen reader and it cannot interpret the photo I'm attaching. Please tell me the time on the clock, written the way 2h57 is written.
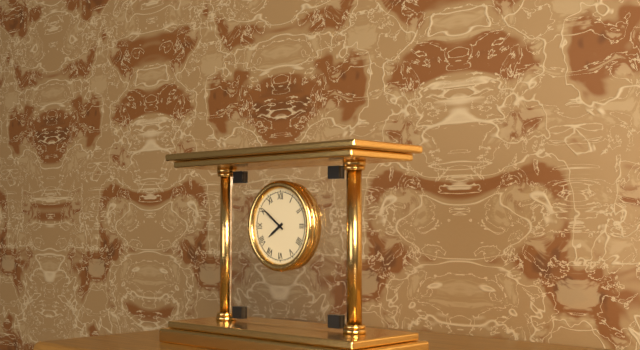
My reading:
7h51
